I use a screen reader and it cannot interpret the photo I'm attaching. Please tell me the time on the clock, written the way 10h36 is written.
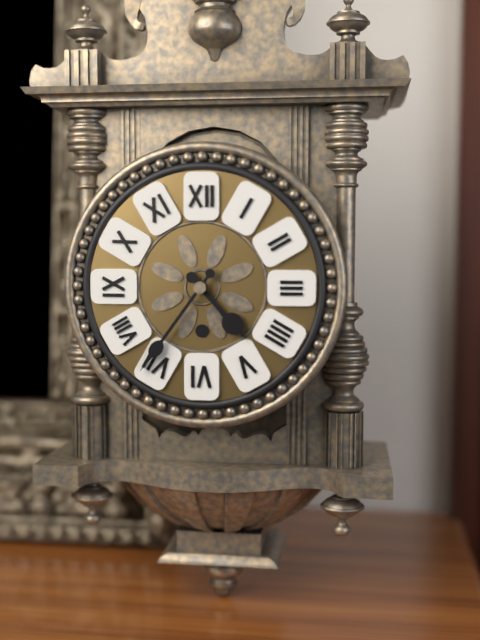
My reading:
4h36
